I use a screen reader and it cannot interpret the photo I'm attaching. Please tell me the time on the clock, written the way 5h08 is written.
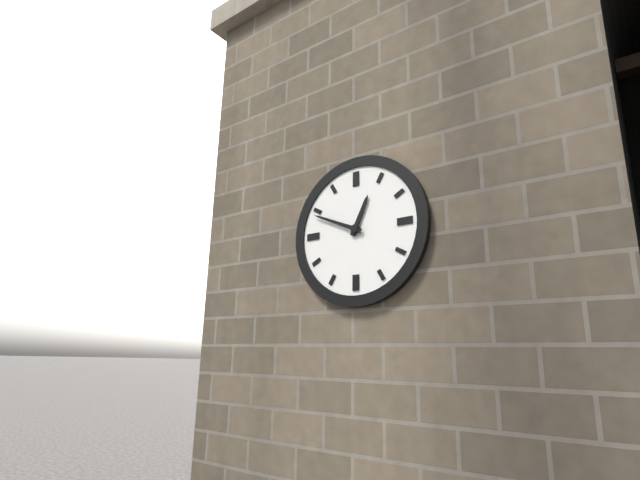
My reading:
12h49
